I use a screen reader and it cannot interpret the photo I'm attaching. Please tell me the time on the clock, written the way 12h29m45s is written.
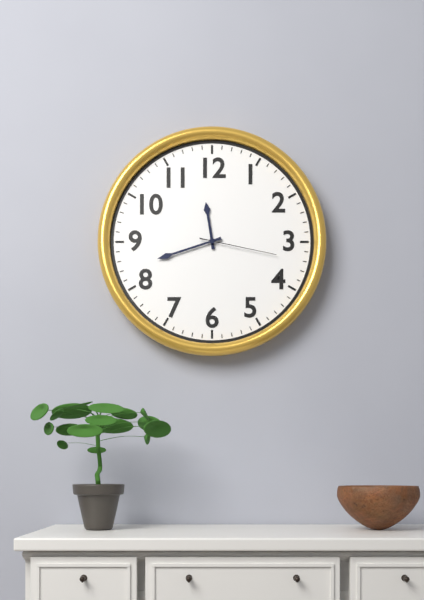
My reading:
11h42m17s
